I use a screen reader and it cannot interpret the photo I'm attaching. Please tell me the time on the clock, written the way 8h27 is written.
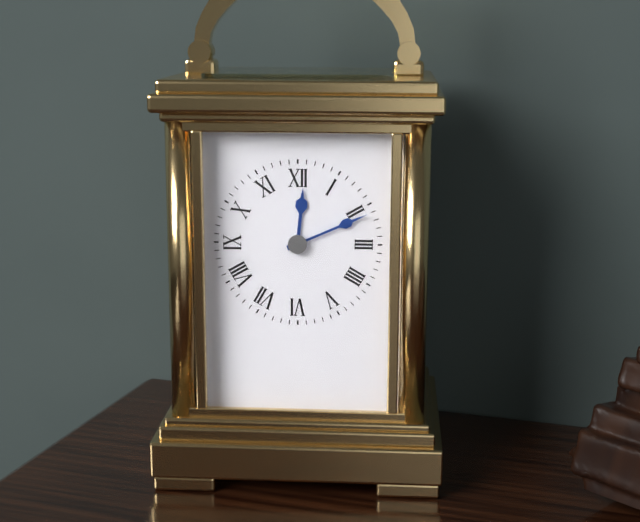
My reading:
12h11
